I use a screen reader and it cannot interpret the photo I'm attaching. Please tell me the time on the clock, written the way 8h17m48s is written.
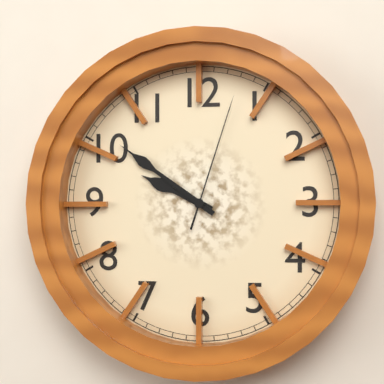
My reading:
9h51m03s
